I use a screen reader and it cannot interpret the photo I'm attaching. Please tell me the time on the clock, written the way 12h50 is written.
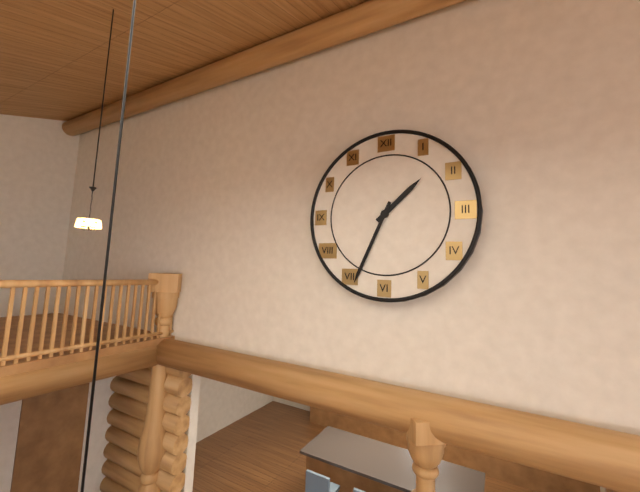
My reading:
1h34
